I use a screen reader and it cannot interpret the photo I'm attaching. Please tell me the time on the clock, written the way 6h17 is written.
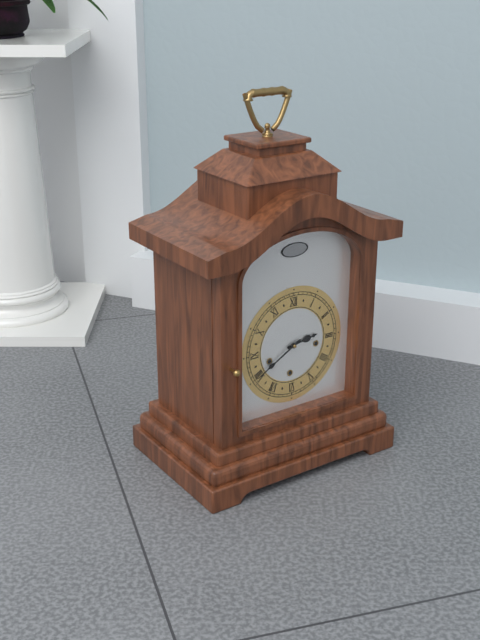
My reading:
2h40
